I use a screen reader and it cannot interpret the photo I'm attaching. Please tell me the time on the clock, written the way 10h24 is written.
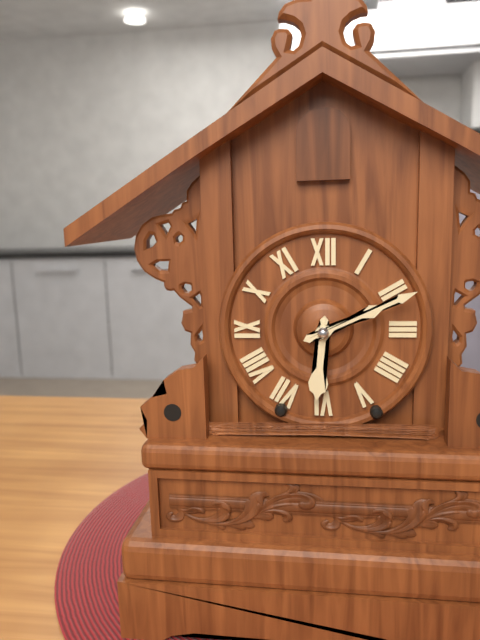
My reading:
6h11
